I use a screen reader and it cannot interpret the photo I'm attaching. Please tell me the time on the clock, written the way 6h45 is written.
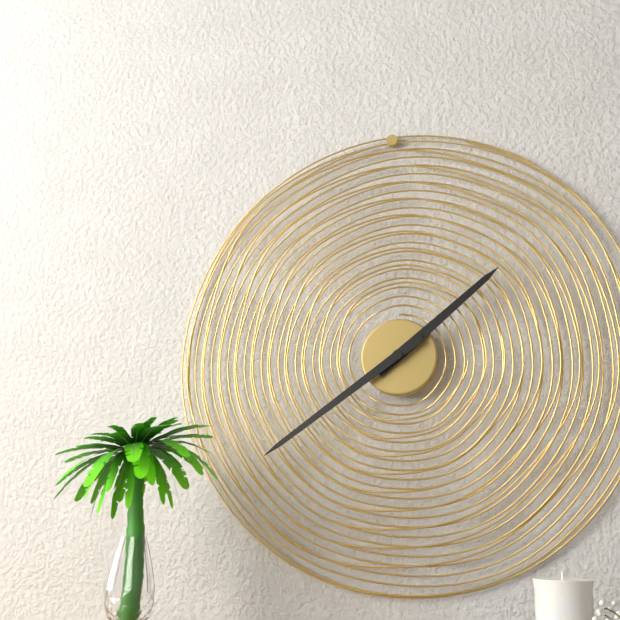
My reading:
1h39
